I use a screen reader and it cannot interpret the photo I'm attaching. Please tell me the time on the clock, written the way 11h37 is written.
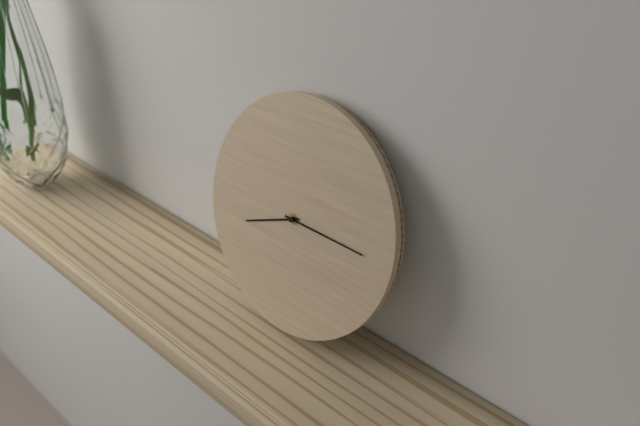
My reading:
8h15
